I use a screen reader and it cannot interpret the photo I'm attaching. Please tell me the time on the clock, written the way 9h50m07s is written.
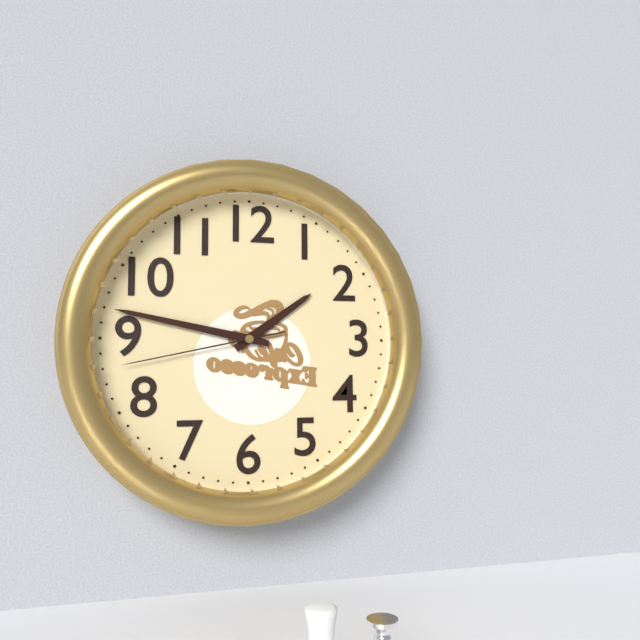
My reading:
1h47m43s
